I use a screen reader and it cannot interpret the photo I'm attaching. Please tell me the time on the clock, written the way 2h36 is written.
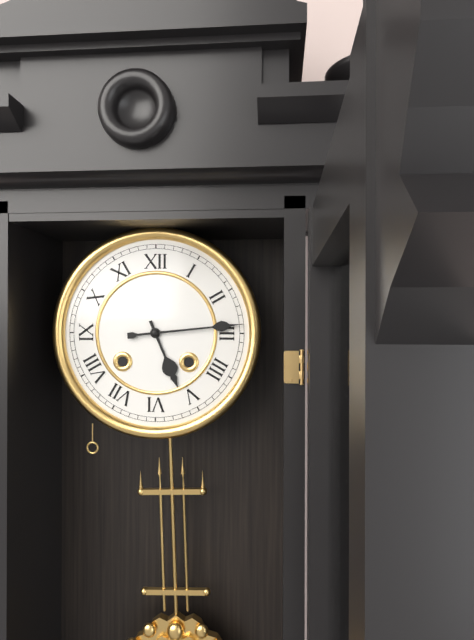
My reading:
5h14
